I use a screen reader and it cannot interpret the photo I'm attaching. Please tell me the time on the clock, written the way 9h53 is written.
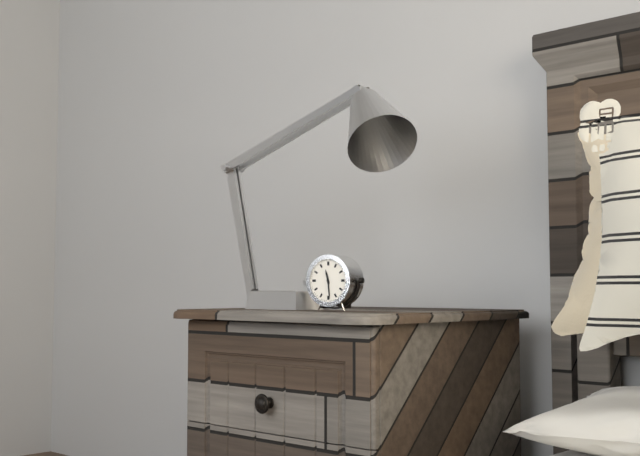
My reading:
11h29
